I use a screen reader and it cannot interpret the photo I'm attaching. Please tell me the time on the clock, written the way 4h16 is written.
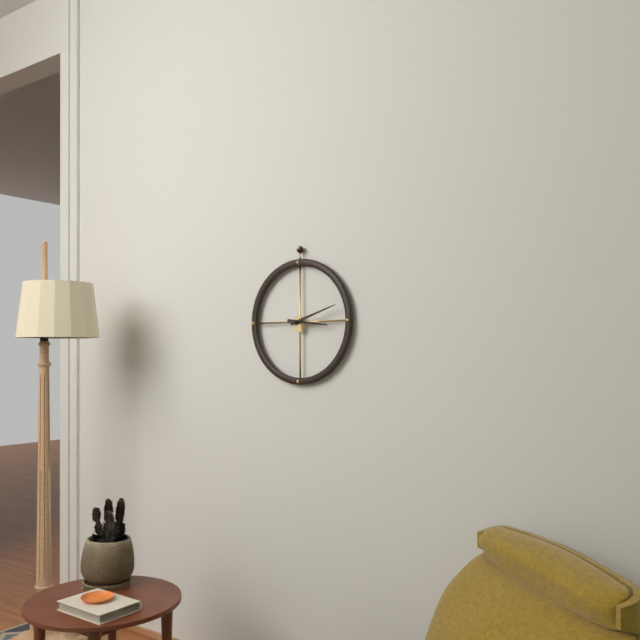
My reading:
3h12
